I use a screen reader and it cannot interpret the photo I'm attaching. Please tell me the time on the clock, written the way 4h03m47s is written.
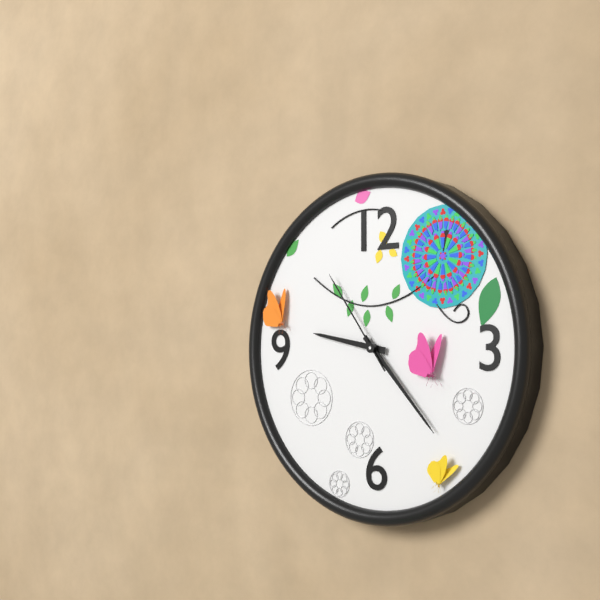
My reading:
9h23m54s
